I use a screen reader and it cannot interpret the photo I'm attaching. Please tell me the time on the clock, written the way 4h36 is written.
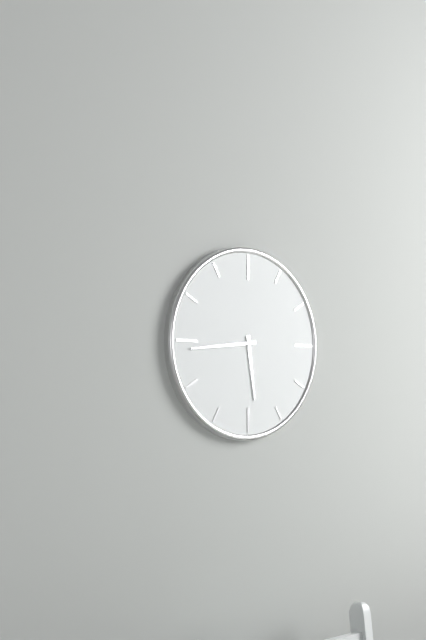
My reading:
5h44
